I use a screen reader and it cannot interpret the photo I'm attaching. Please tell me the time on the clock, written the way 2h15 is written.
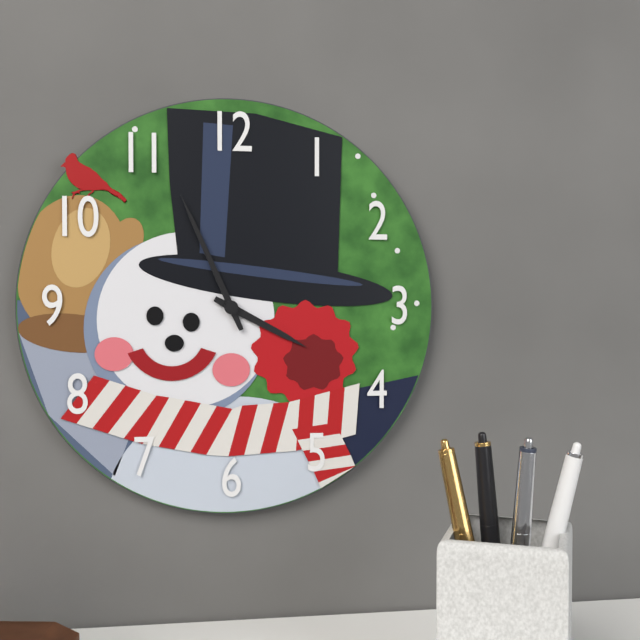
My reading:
3h56
